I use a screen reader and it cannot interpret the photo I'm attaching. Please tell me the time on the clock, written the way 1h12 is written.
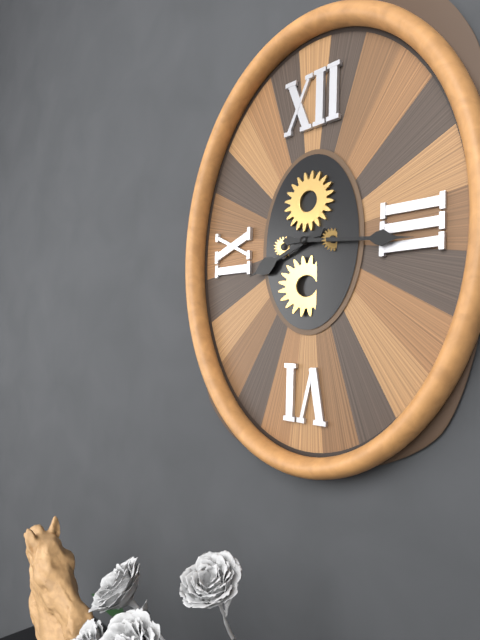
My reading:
8h16
